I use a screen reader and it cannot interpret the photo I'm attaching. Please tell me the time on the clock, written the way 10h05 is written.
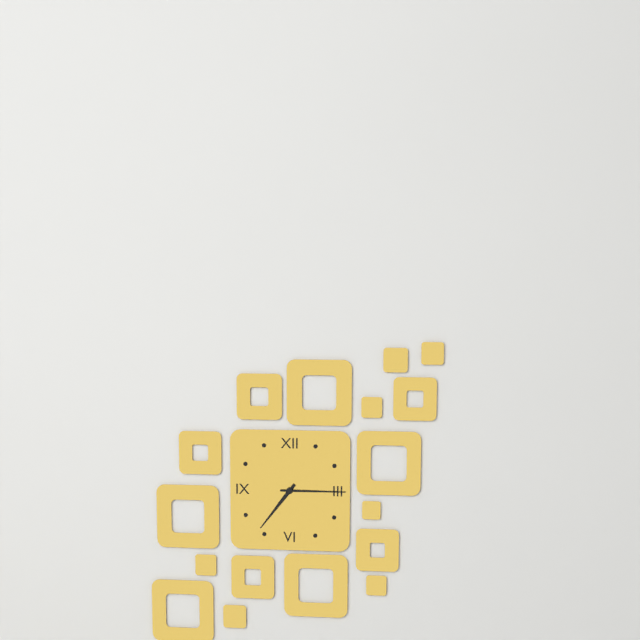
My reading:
7h15
